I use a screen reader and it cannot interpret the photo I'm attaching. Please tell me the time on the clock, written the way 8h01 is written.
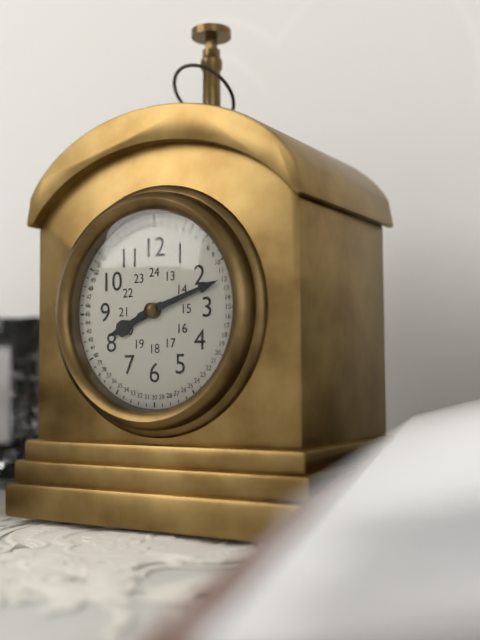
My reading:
8h12
